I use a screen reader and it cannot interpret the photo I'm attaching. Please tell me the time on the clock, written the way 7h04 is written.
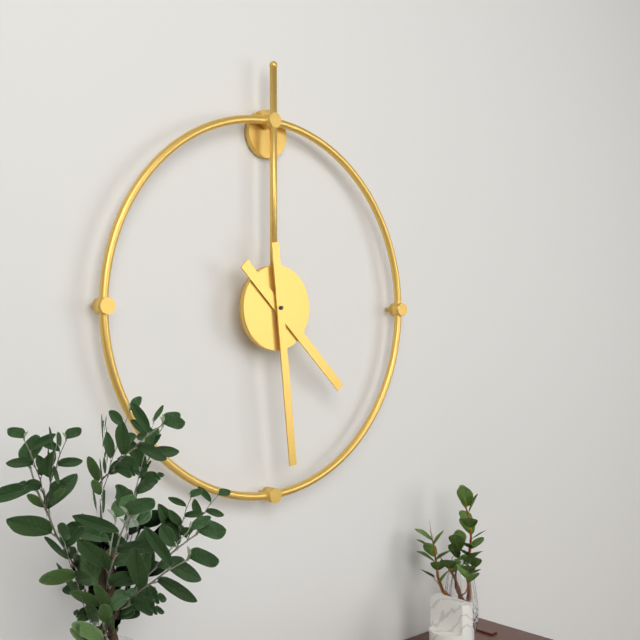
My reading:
4h29
